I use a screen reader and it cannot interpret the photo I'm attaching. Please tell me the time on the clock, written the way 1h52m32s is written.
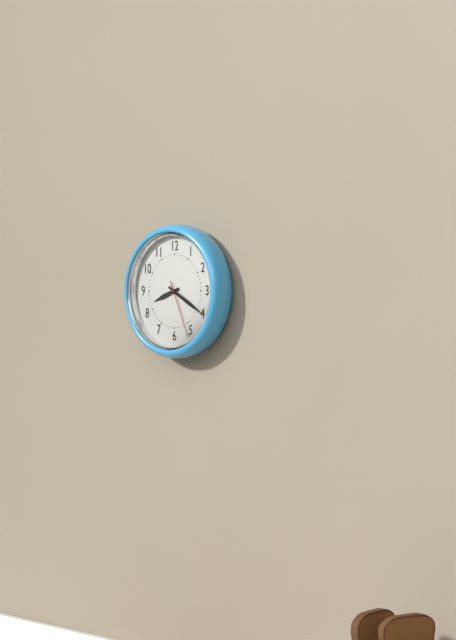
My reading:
8h20m26s
